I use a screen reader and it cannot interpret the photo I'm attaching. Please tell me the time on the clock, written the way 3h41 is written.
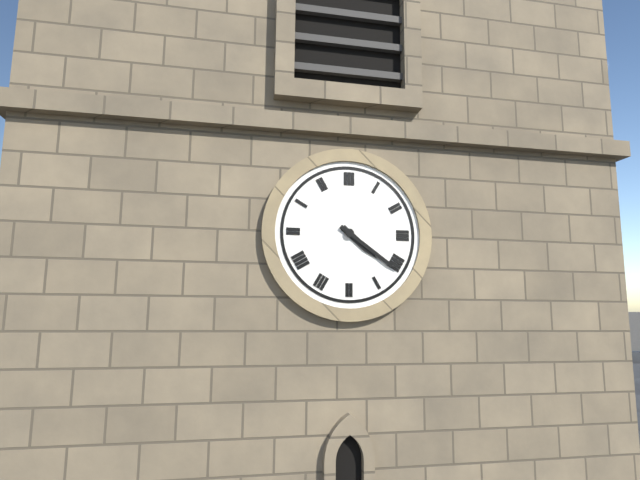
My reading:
4h21
